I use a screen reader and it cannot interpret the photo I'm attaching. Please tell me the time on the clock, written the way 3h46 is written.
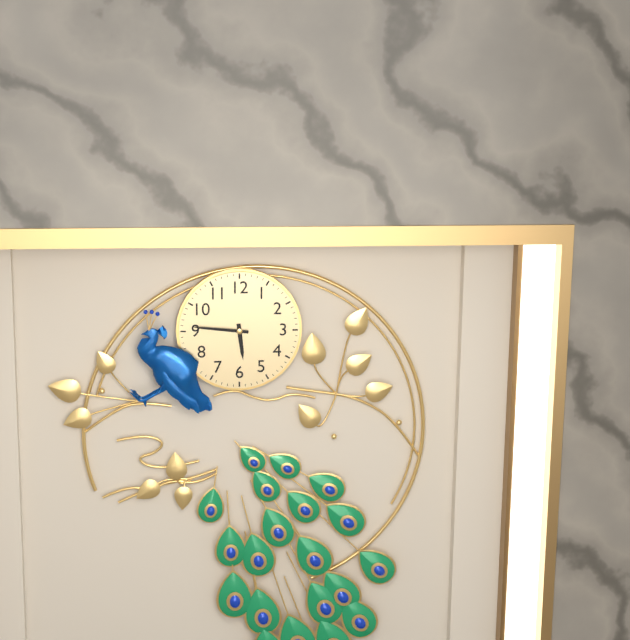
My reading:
5h46
